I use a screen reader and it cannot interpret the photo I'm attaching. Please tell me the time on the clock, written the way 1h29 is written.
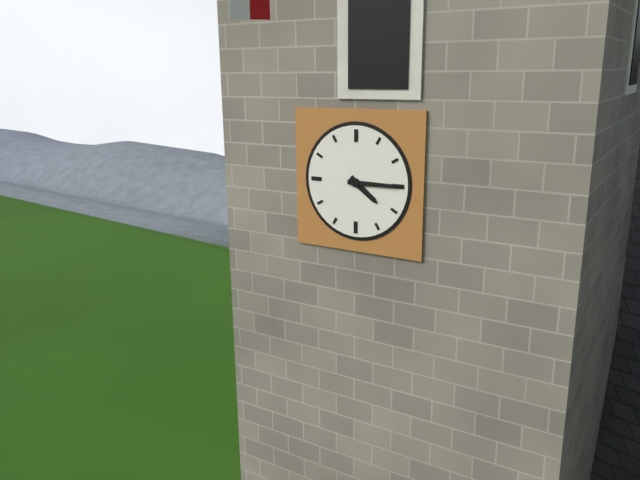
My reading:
4h15
